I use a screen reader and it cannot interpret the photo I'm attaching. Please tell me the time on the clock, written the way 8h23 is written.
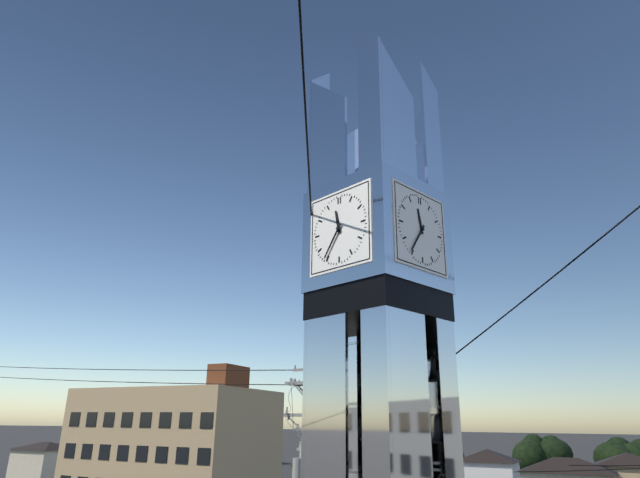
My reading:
11h36
